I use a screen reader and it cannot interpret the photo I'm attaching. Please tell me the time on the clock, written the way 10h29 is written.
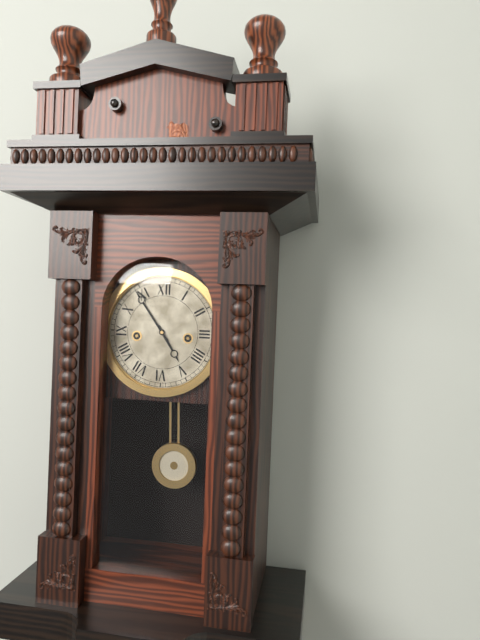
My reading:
4h54
